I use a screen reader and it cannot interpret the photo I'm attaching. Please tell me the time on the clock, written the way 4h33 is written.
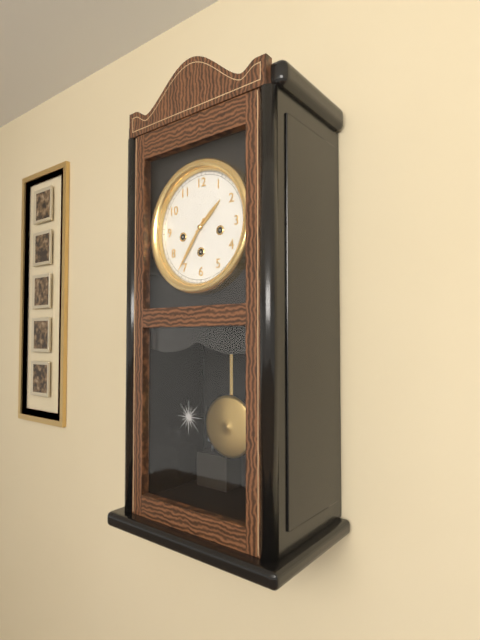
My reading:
1h36
